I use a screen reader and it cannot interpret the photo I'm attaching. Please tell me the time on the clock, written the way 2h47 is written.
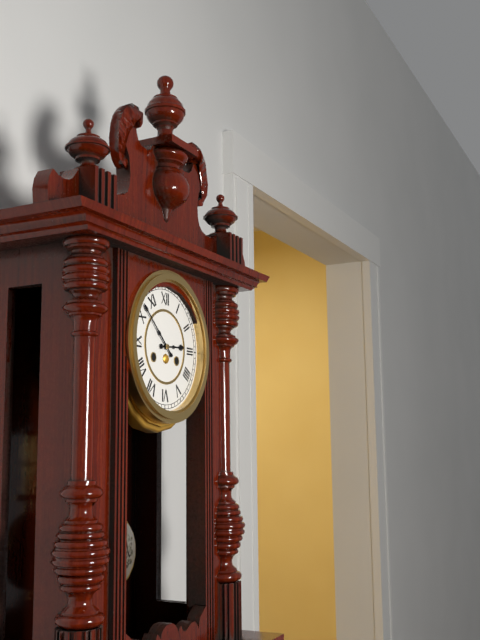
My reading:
2h52
